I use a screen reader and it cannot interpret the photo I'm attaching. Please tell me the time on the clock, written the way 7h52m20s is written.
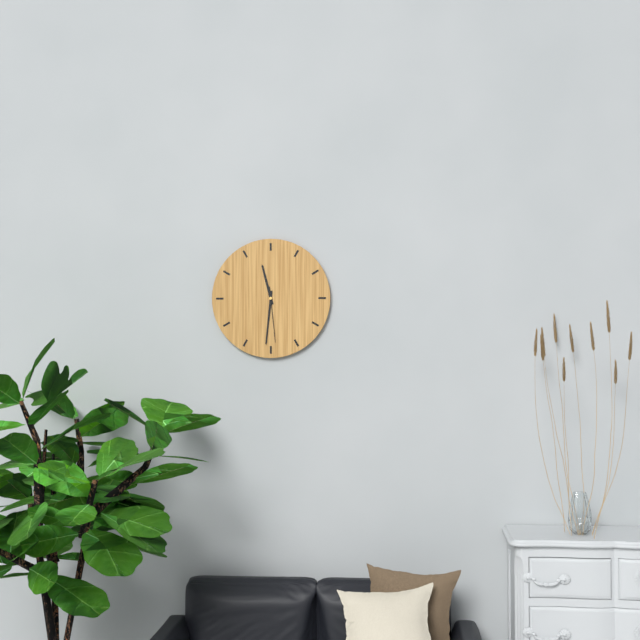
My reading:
11h31m29s
